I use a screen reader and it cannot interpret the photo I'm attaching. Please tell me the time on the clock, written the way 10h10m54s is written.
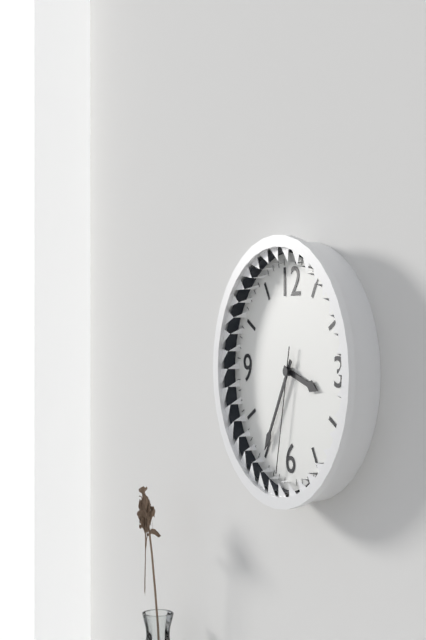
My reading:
3h35m32s
